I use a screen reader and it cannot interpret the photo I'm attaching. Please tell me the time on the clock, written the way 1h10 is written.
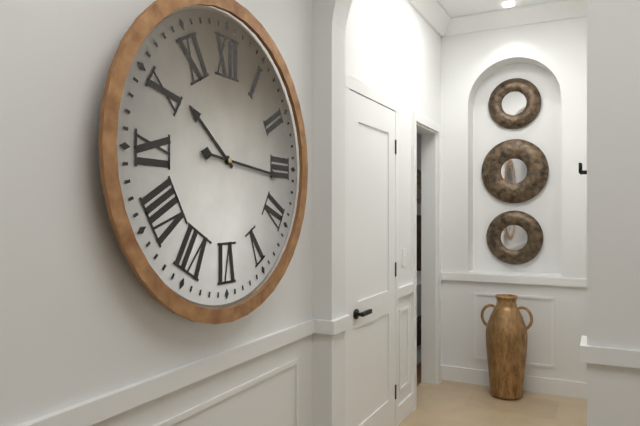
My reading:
10h16
